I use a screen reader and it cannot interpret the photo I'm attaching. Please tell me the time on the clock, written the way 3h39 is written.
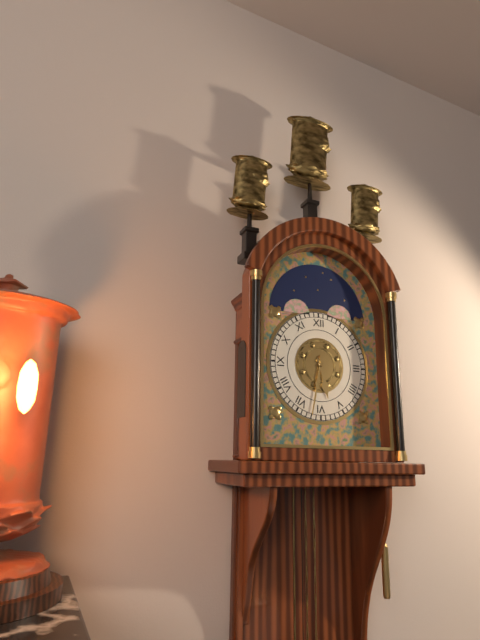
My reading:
5h32
